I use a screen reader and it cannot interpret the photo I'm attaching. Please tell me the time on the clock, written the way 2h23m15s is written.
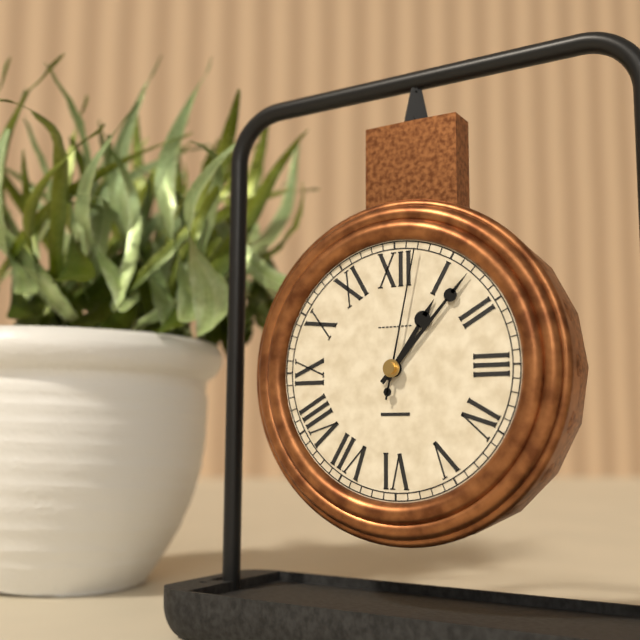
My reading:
1h07m02s
